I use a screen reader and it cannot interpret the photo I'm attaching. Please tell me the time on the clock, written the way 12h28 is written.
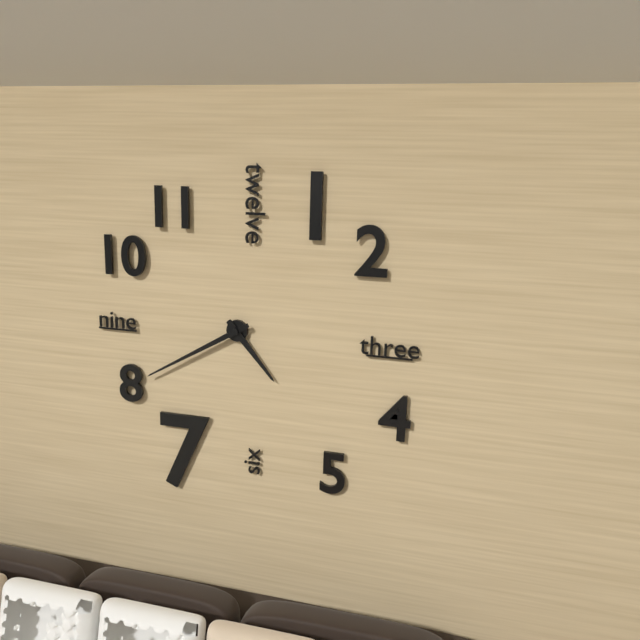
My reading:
4h40
